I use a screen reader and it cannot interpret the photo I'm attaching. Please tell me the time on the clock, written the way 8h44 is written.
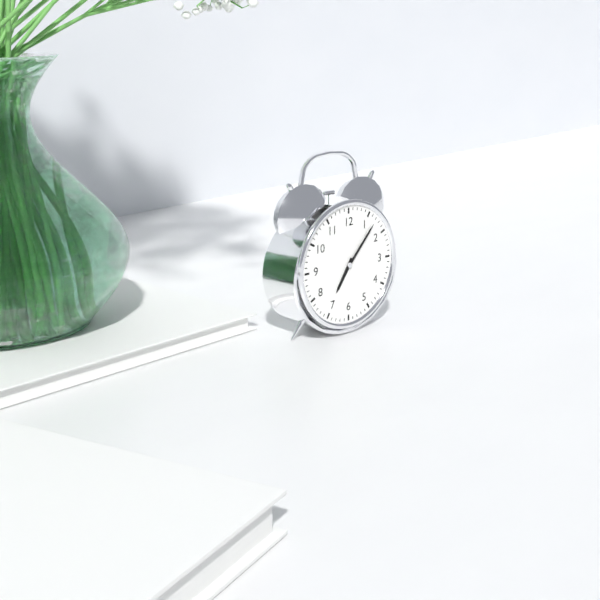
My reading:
7h07
